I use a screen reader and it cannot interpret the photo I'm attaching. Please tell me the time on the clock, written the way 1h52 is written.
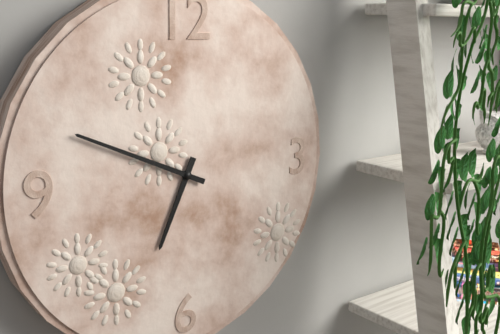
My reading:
6h49
